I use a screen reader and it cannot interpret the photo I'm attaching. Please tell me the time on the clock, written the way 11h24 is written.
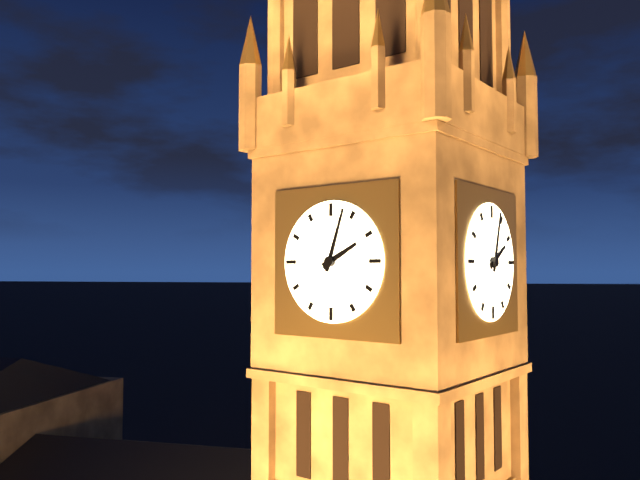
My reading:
2h03
